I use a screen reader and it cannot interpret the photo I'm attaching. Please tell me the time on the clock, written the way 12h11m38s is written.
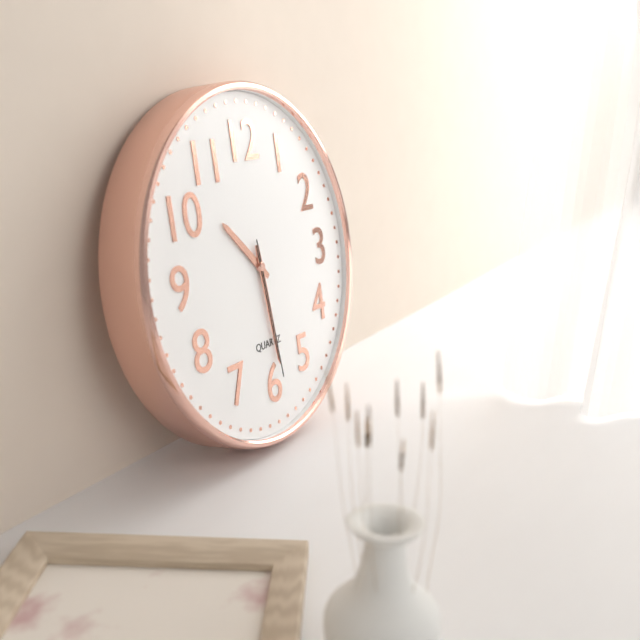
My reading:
10h29m29s
